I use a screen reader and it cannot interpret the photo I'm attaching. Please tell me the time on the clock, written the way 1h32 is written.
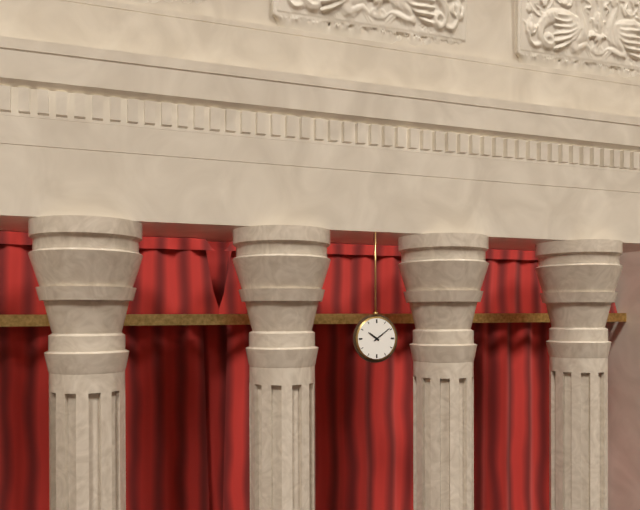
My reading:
10h09
